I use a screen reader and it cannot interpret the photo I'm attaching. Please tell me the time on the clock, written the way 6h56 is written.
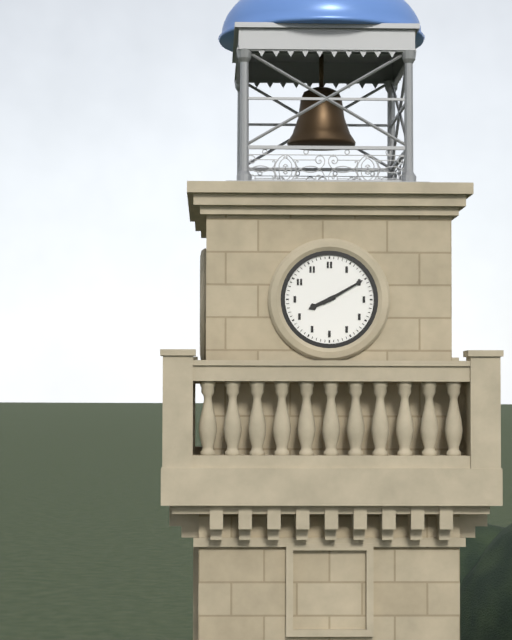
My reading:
8h10
